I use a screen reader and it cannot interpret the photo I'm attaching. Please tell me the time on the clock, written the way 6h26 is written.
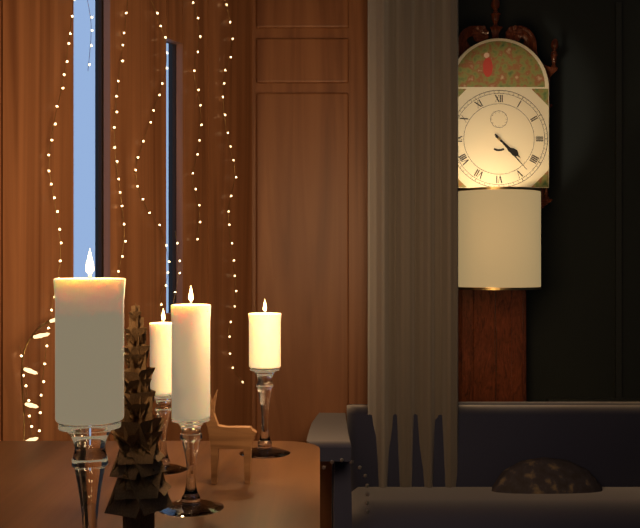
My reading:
4h23
